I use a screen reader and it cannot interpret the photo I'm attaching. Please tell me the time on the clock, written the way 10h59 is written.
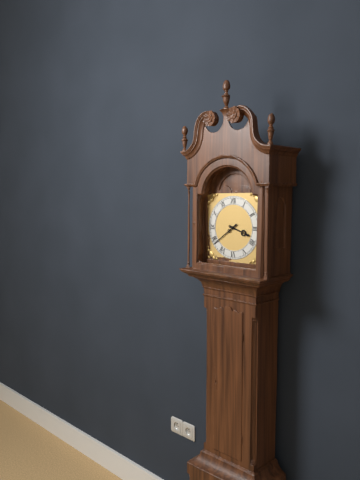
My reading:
3h39
